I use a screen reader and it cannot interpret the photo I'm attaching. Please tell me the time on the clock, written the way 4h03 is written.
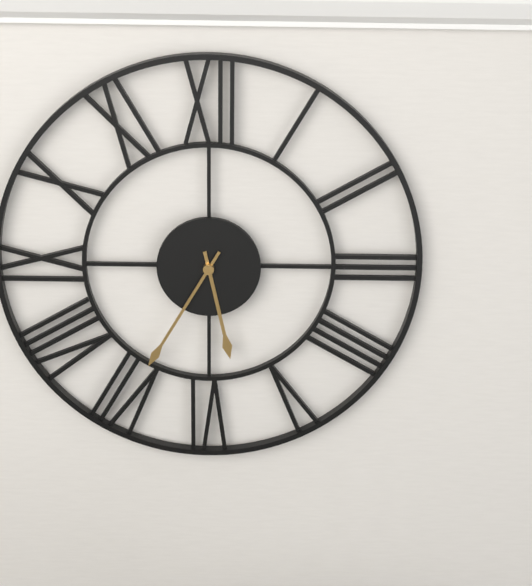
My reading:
5h35
